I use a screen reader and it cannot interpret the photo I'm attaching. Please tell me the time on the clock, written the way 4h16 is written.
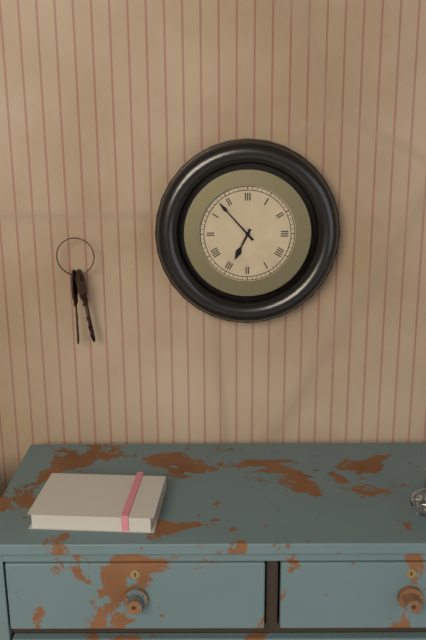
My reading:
6h53
